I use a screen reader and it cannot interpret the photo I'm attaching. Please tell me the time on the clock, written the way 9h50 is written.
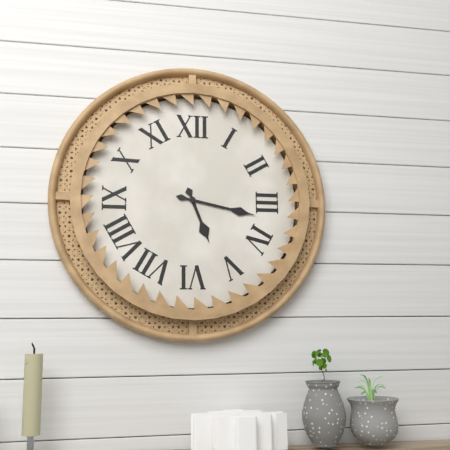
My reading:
5h17
